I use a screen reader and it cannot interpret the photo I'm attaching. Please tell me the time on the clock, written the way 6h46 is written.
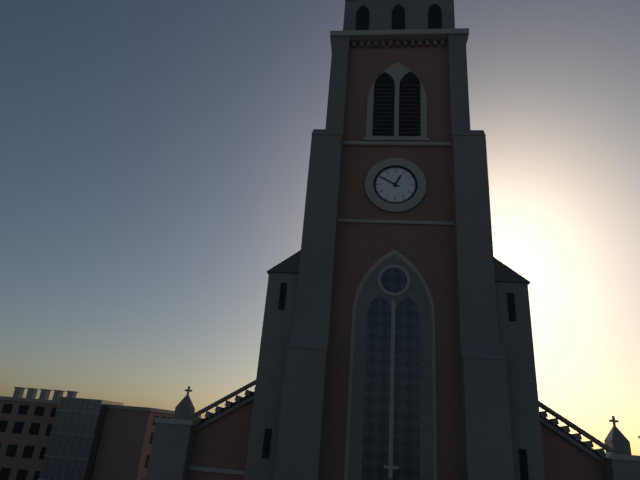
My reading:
12h50
